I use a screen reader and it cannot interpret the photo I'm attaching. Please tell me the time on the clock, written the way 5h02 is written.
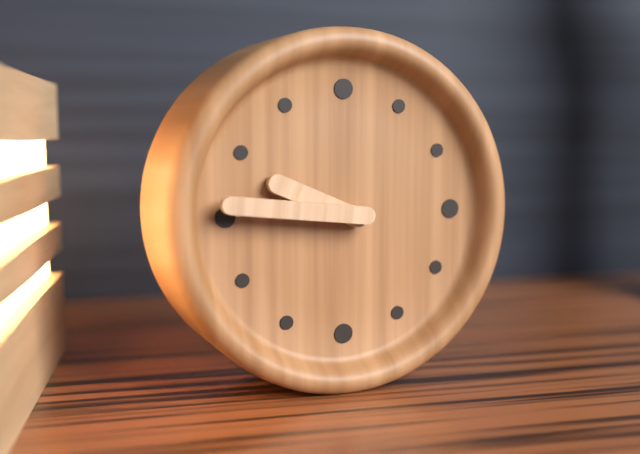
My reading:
9h46
